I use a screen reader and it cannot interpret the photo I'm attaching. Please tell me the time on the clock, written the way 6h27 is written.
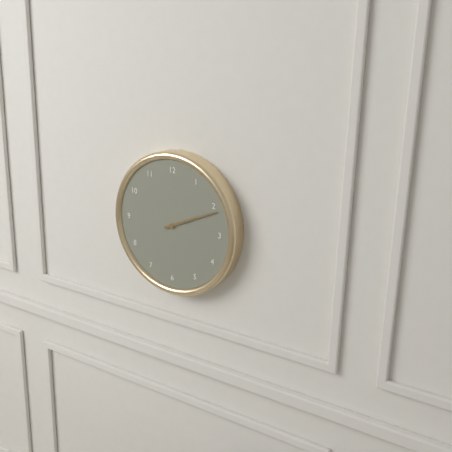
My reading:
2h11
